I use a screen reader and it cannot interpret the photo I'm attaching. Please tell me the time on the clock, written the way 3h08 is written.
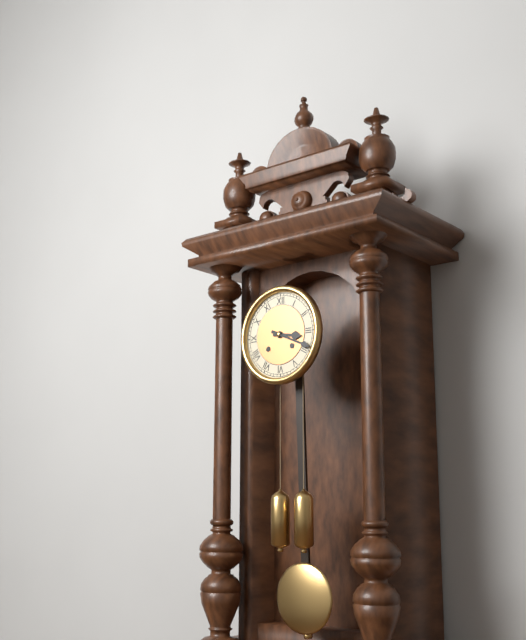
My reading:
3h19
